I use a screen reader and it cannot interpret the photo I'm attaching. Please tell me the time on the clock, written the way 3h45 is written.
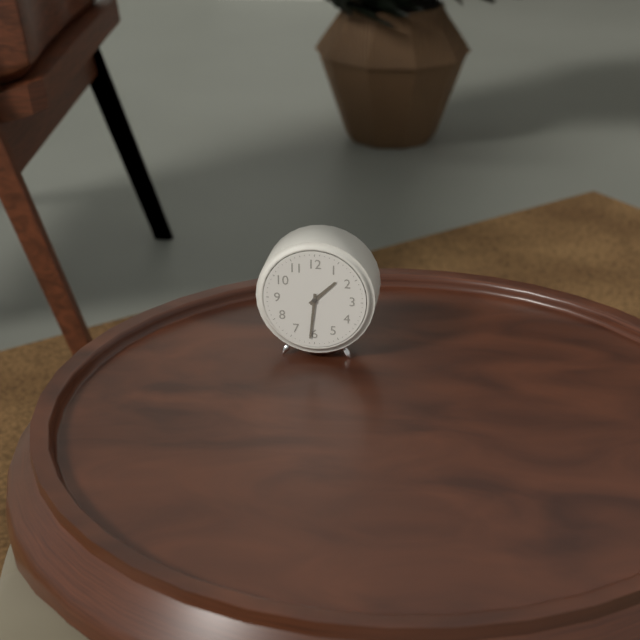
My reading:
1h31
